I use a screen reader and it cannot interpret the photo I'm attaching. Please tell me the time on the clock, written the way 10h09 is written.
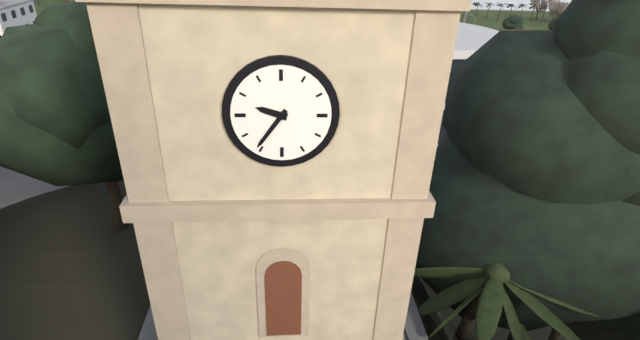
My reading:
9h36
